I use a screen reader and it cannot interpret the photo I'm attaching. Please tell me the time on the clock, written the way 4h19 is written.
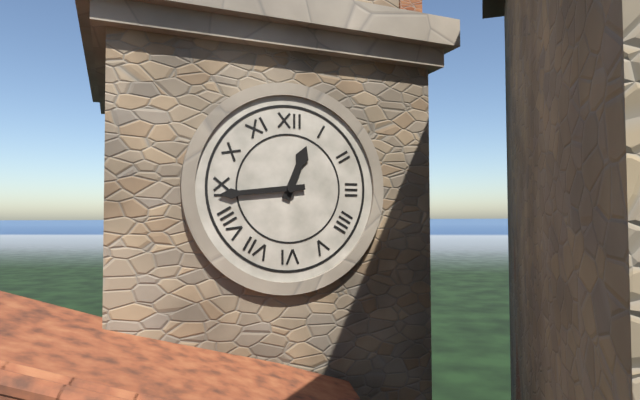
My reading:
12h44
